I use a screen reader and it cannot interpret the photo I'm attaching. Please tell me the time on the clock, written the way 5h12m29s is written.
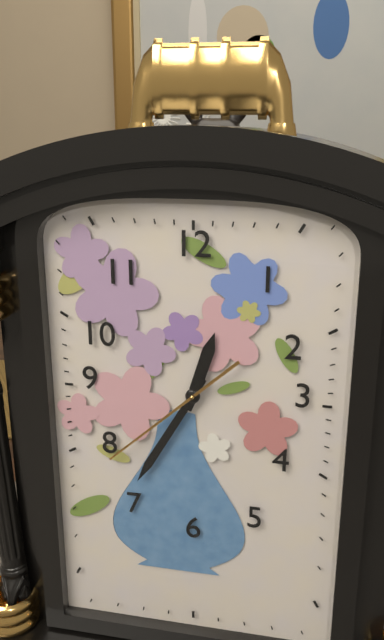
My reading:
12h35m38s
